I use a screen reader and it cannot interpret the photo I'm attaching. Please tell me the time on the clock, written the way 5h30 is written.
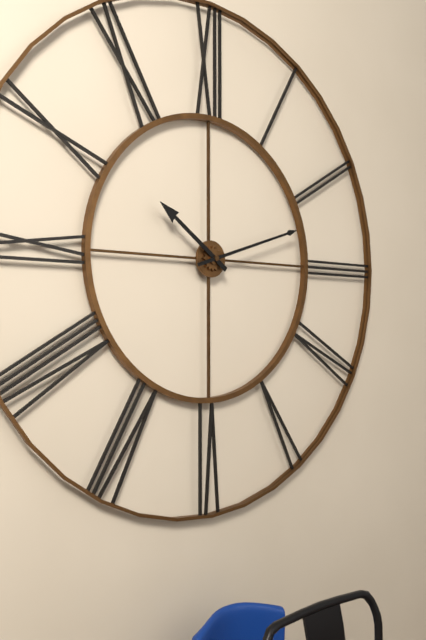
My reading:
10h12
